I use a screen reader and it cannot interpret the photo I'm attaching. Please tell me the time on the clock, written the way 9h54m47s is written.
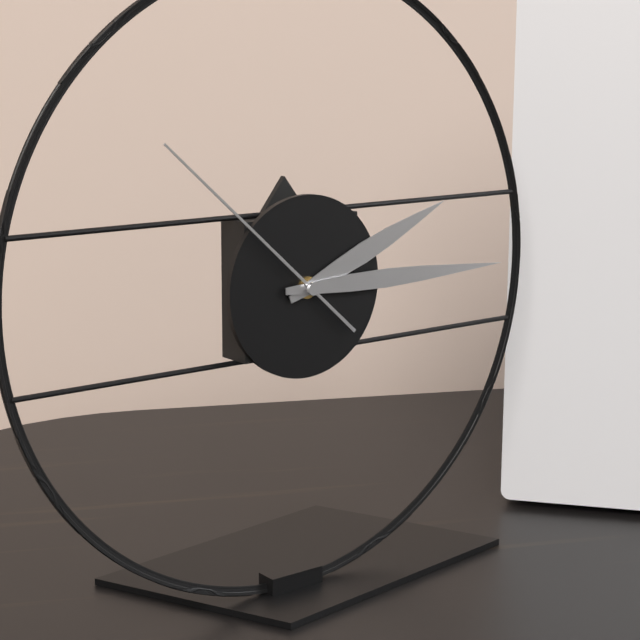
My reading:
2h15m52s
